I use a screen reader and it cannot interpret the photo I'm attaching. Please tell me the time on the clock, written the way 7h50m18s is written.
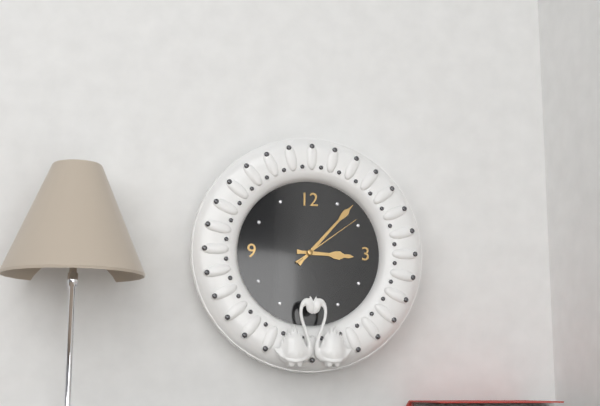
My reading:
3h07m09s
